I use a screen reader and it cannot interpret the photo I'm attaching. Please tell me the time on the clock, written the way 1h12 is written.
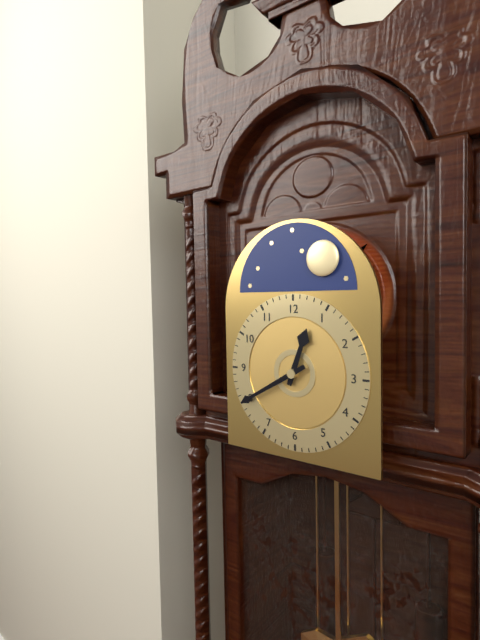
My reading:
12h40
